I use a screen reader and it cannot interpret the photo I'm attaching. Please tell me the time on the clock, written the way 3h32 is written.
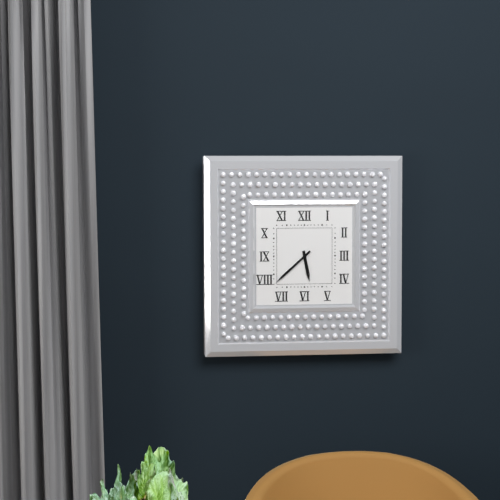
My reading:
5h38
